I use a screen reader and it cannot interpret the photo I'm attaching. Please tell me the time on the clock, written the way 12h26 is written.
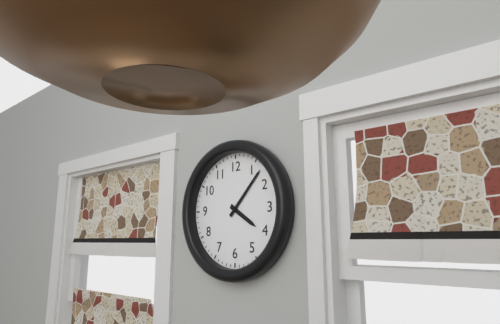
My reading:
4h07
